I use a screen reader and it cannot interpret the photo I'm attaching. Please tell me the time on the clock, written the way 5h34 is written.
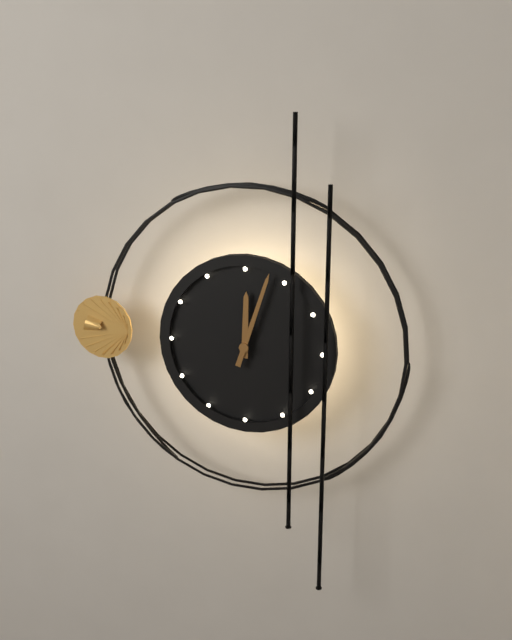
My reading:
12h03
